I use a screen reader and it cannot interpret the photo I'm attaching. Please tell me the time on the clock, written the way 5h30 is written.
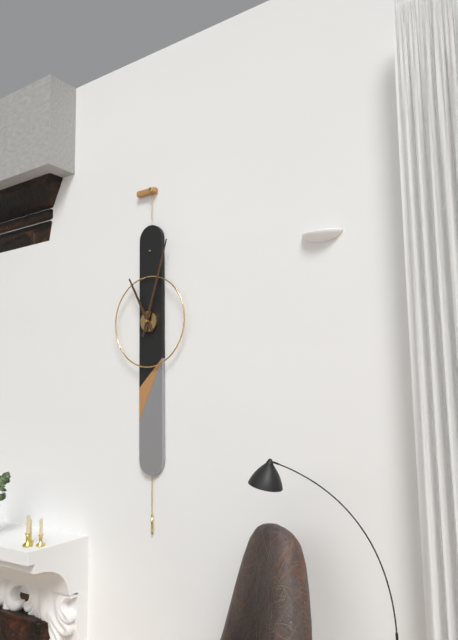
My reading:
11h03
